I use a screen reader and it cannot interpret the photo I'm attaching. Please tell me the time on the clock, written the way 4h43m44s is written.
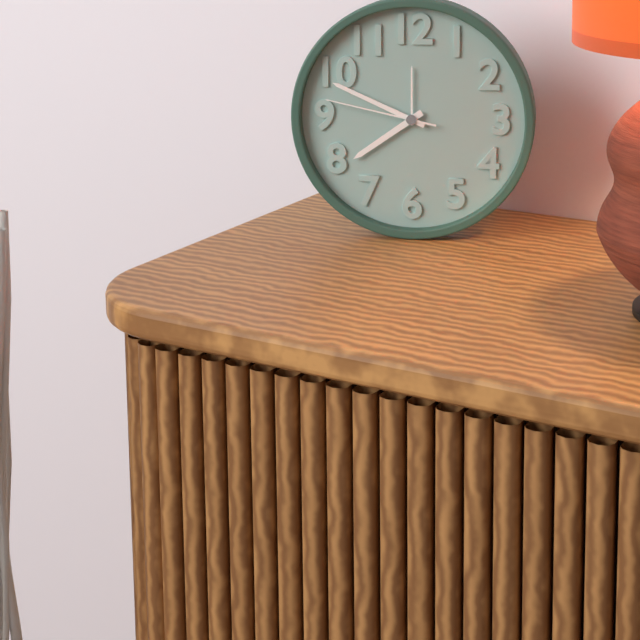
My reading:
7h49m47s
